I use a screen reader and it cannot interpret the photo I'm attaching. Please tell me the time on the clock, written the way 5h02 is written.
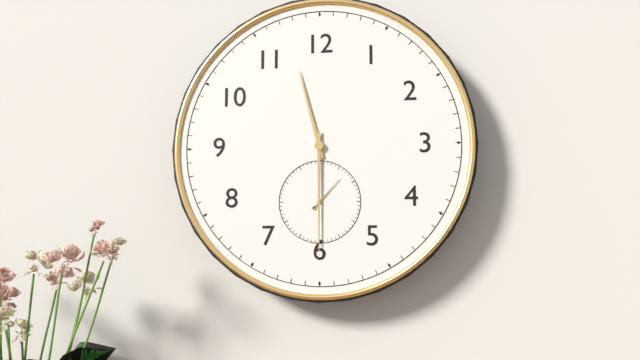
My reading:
11h30
